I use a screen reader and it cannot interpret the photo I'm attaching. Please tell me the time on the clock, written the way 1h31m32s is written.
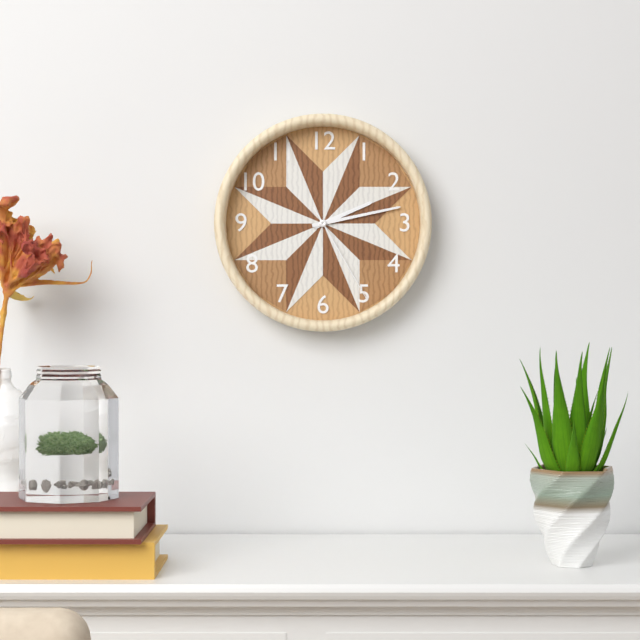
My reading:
2h13m25s
